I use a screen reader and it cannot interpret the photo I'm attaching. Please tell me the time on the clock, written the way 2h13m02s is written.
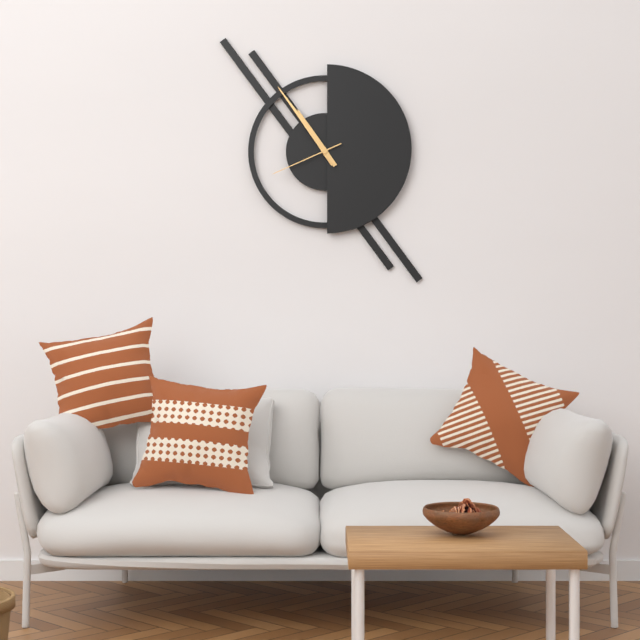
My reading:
10h54m41s
